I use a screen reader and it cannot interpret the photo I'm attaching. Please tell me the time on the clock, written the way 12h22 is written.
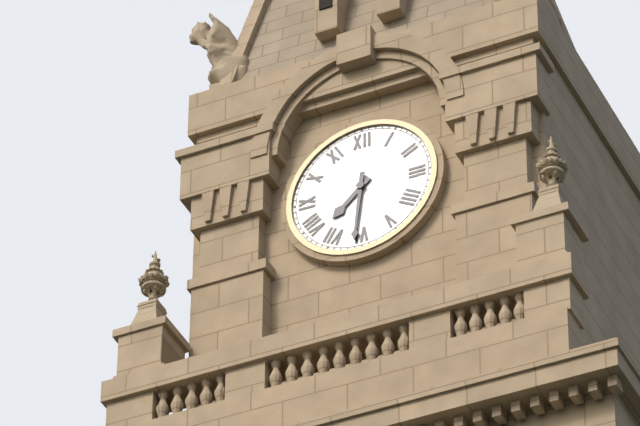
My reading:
7h31
